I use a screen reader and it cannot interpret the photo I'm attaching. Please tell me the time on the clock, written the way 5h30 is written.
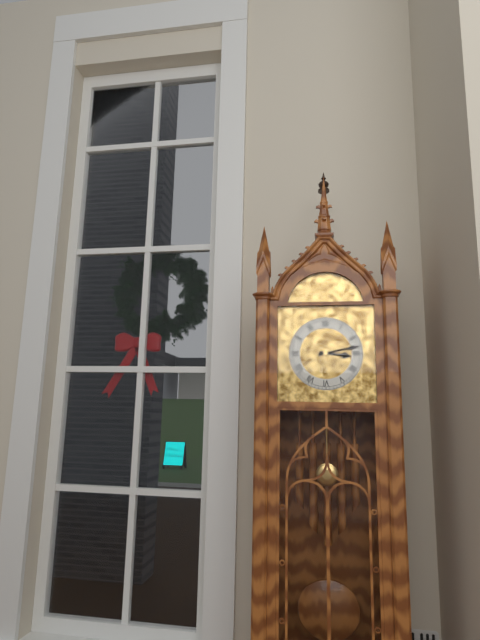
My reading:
3h13
